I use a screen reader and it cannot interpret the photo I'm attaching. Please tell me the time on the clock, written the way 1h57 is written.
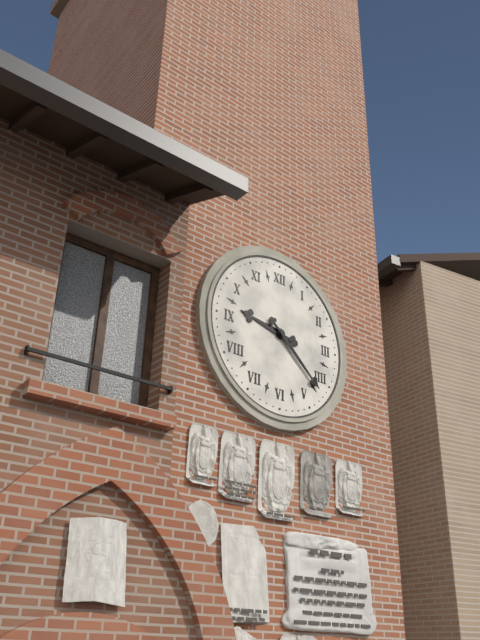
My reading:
9h22
